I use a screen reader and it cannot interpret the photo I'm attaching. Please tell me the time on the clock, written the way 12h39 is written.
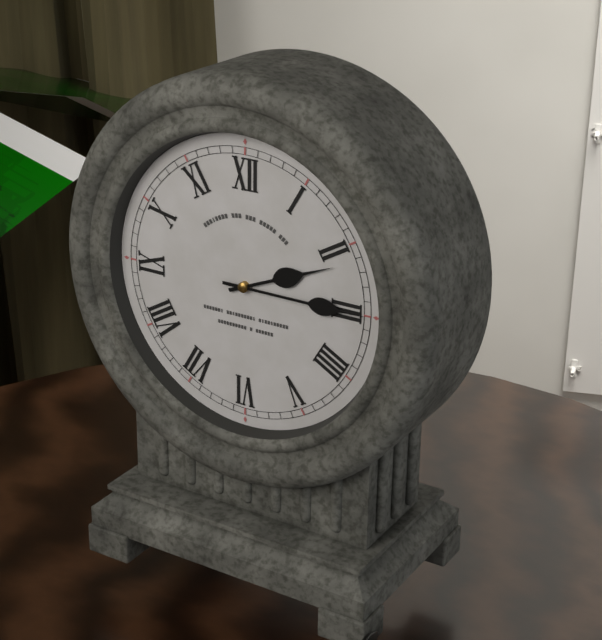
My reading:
2h15
